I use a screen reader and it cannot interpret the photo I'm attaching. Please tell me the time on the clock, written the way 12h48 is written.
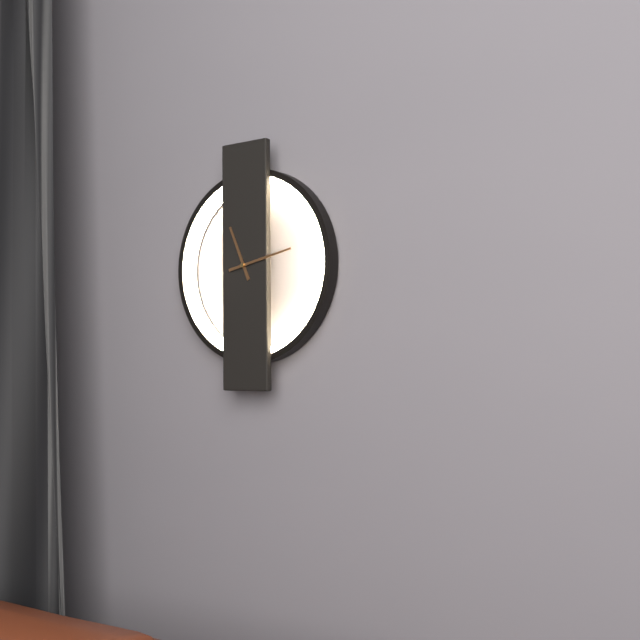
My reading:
11h13
